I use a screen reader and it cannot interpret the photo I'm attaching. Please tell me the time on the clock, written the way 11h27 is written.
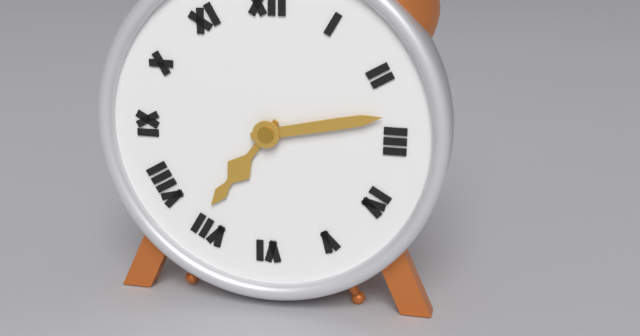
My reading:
7h13
